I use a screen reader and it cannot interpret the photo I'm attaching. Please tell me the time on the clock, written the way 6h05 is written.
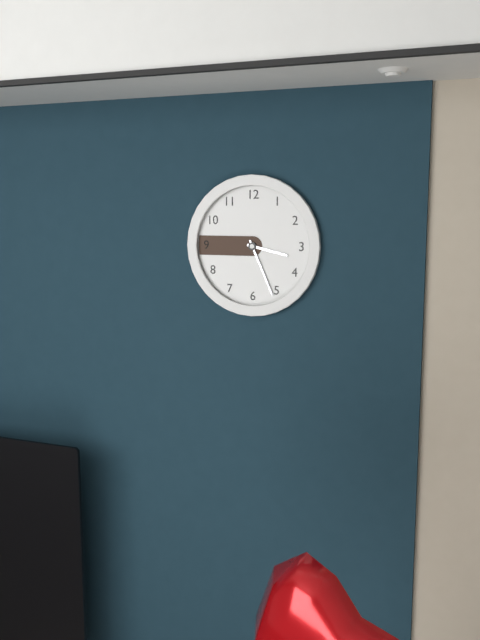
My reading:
3h26
